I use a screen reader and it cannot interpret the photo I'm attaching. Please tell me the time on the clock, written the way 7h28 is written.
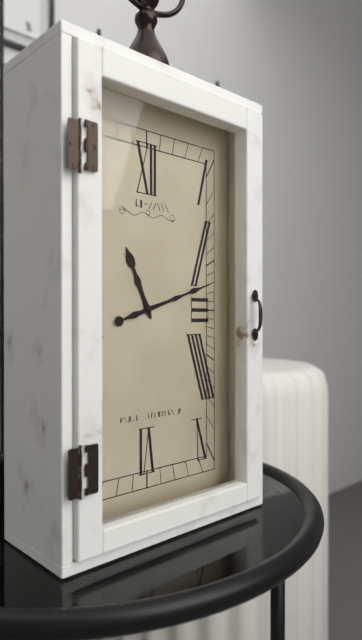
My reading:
11h12
